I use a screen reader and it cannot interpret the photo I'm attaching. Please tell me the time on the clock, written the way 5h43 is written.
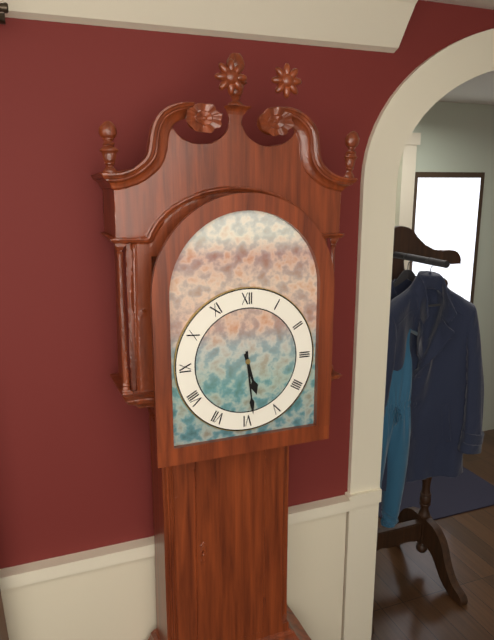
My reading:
5h29
